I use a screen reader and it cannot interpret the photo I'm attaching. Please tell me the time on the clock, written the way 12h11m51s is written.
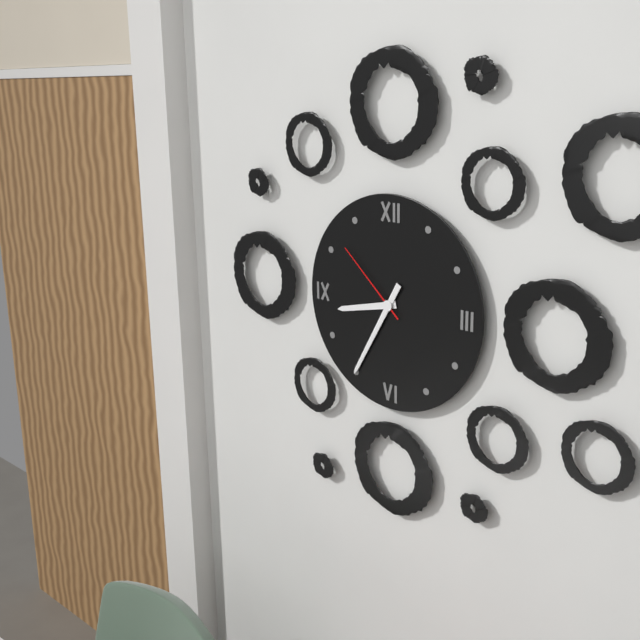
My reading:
8h35m52s
